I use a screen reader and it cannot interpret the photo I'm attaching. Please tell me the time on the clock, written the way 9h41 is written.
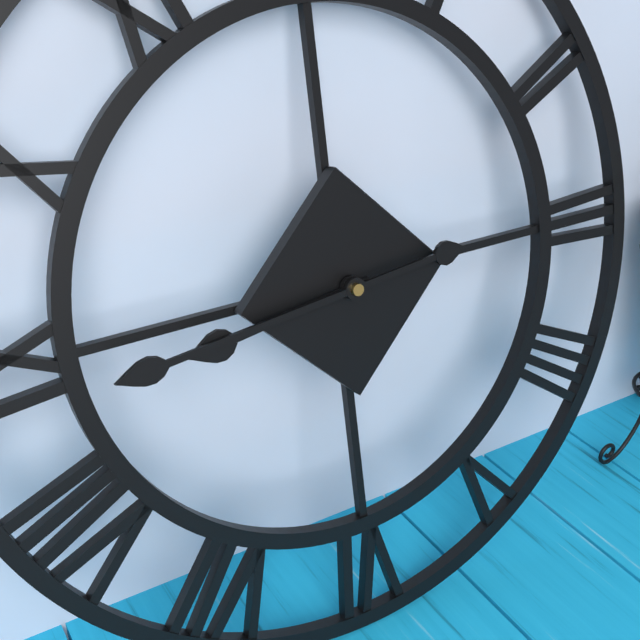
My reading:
8h44
